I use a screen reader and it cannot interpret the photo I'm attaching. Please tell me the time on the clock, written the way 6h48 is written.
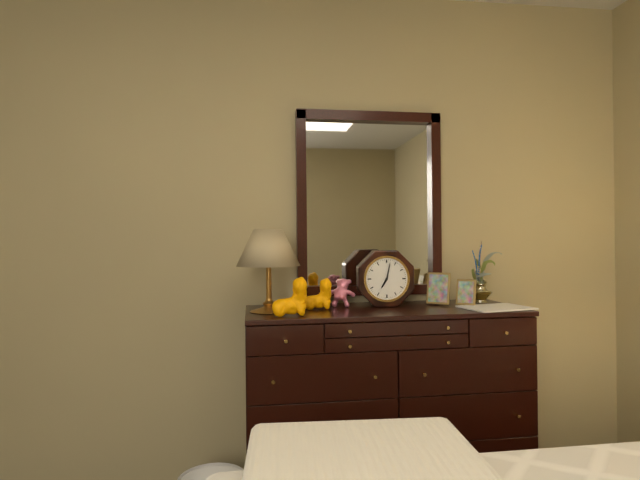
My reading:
7h02
